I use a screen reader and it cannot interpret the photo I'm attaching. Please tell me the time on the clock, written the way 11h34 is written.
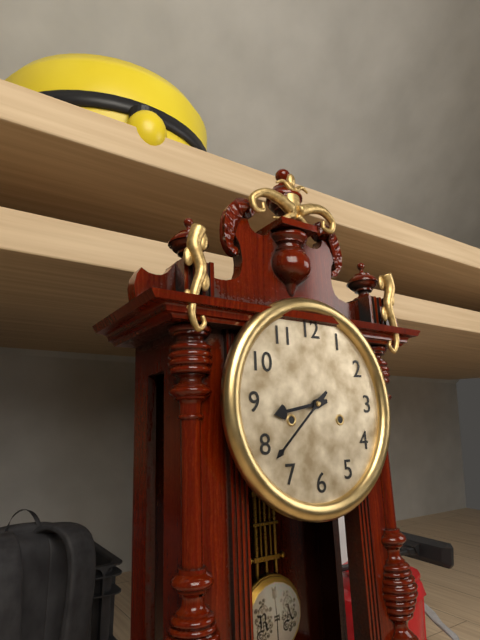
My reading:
8h38
